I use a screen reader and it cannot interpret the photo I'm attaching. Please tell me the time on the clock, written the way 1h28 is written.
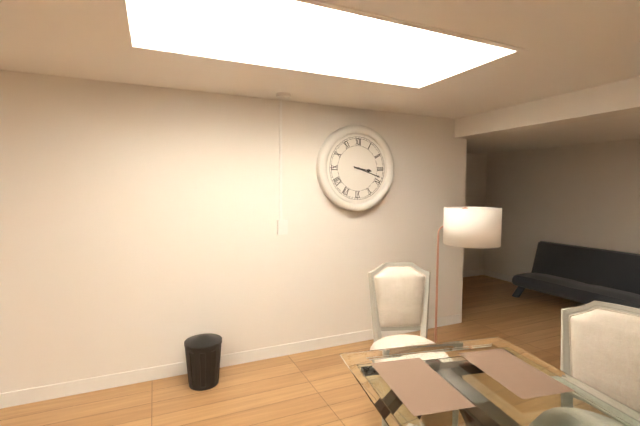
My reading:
3h18
